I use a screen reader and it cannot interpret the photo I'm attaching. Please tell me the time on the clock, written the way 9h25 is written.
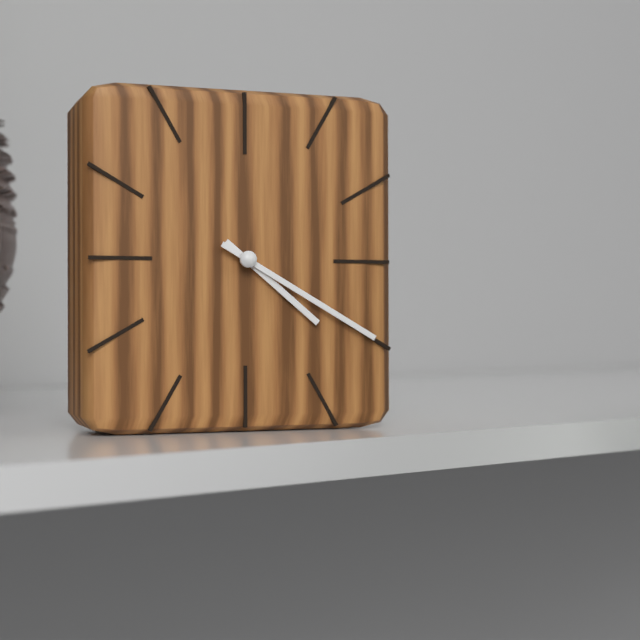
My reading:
4h20
